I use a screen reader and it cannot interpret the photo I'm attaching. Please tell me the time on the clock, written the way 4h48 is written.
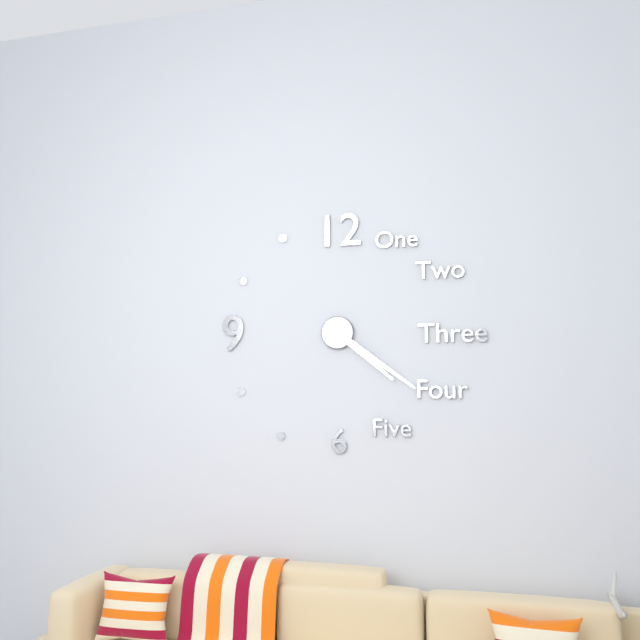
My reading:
4h21
